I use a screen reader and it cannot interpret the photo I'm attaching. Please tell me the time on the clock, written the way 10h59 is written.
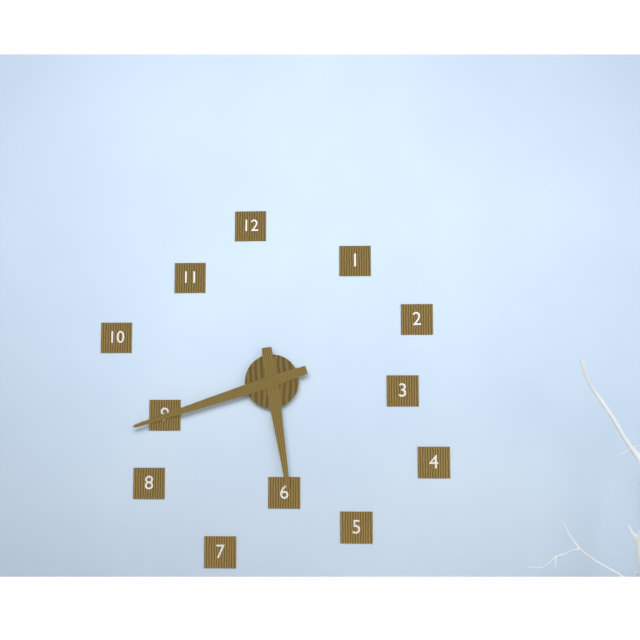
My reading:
5h42
